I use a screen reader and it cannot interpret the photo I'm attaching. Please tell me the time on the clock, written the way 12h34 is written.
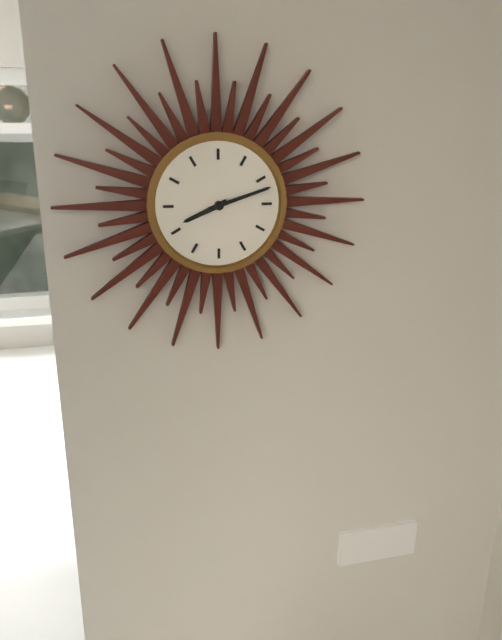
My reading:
8h12
